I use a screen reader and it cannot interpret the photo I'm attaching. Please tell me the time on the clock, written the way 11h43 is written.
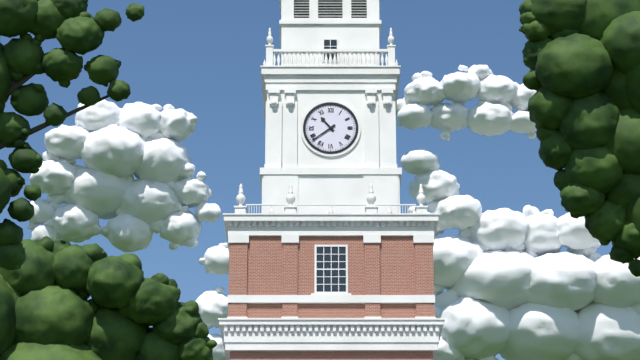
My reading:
10h39
